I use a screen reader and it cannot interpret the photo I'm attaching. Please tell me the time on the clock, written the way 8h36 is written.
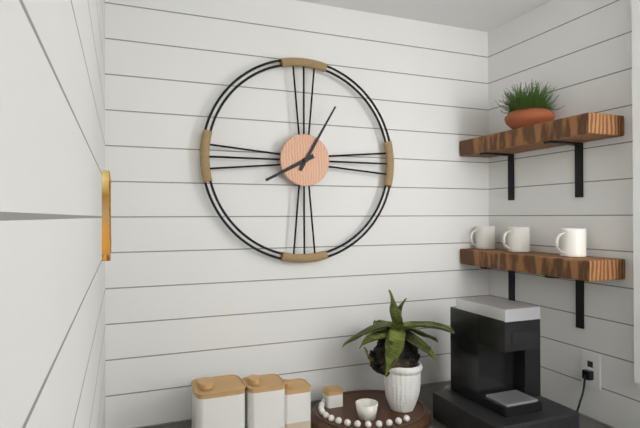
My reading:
8h05
